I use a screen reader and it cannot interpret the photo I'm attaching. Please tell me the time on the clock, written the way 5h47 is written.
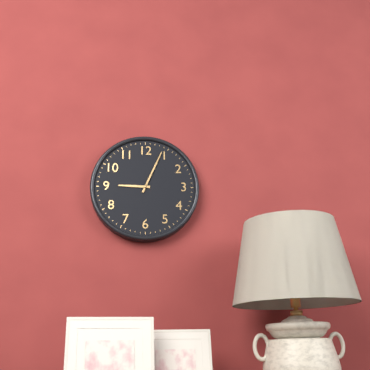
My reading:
9h04
